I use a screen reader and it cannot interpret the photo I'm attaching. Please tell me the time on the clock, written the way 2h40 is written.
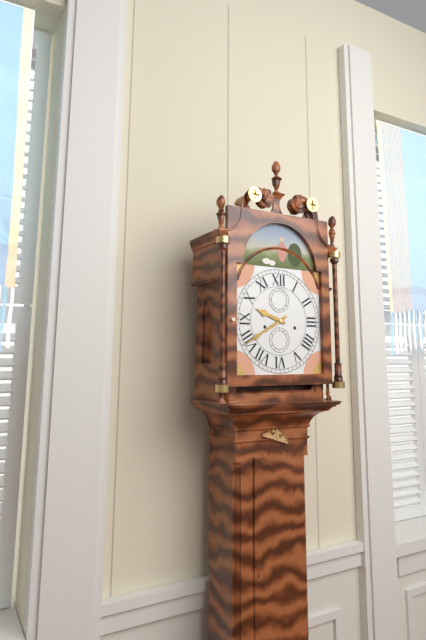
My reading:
9h40
